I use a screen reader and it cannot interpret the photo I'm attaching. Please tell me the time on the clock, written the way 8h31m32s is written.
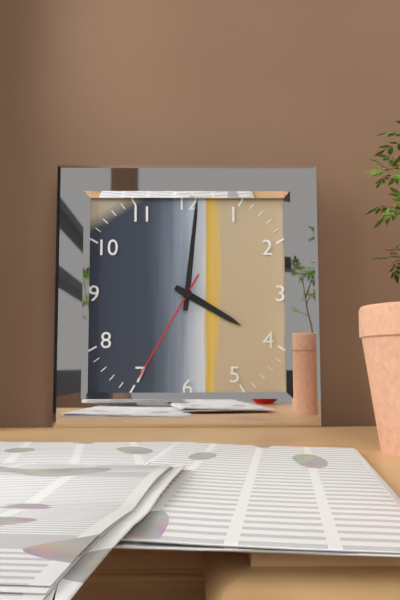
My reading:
4h01m35s
